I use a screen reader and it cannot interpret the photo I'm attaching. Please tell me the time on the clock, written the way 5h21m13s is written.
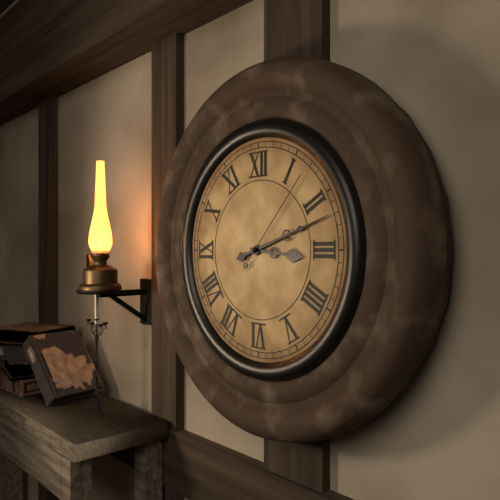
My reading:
3h12m07s
